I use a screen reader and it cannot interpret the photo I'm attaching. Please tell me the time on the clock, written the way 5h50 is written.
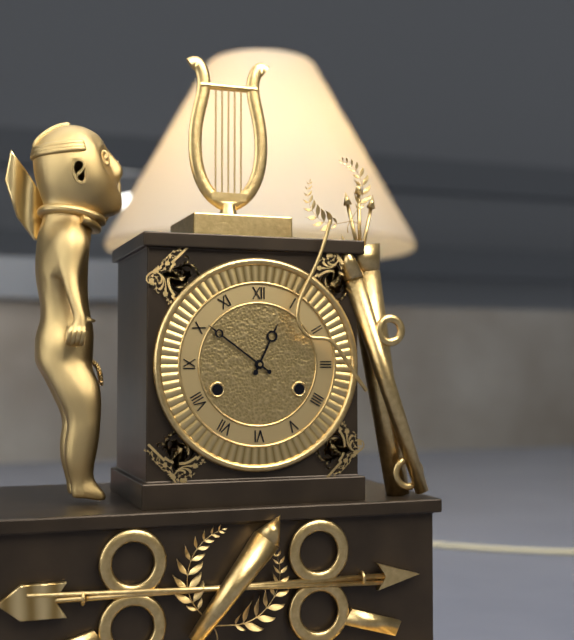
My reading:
12h51
